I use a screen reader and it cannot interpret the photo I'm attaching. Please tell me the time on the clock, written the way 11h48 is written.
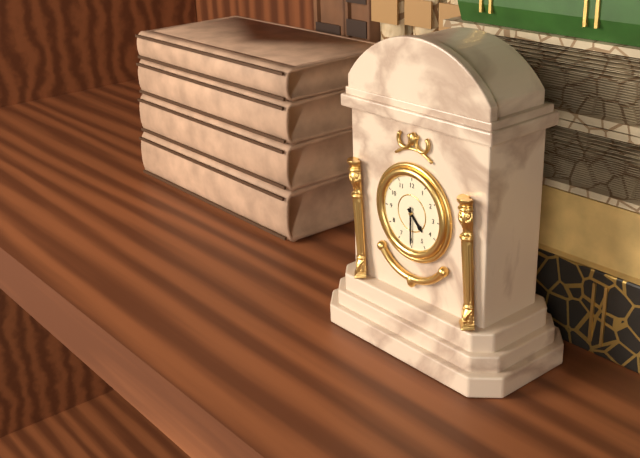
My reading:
4h30
